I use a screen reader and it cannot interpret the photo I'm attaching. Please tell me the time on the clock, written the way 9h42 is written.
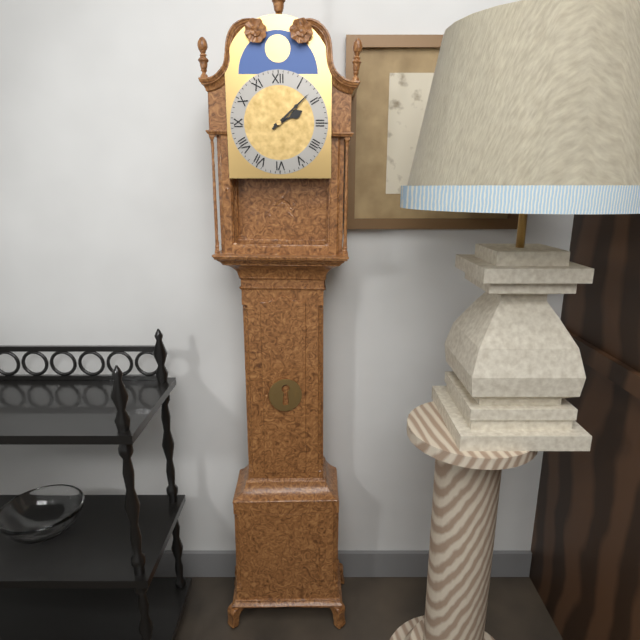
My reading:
2h08
